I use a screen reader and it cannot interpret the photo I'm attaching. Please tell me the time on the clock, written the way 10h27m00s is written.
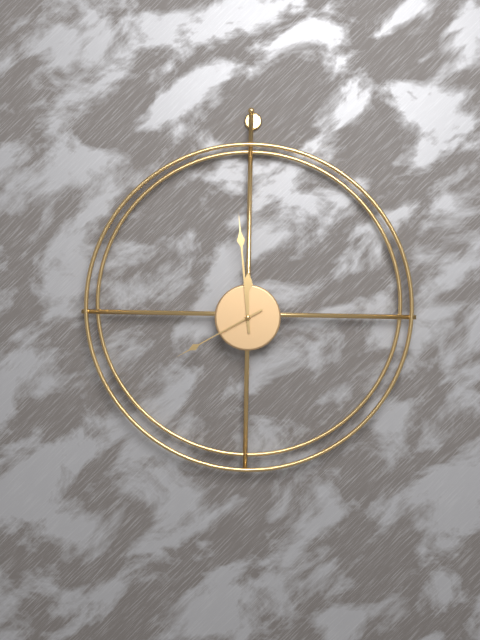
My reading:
11h59m40s
